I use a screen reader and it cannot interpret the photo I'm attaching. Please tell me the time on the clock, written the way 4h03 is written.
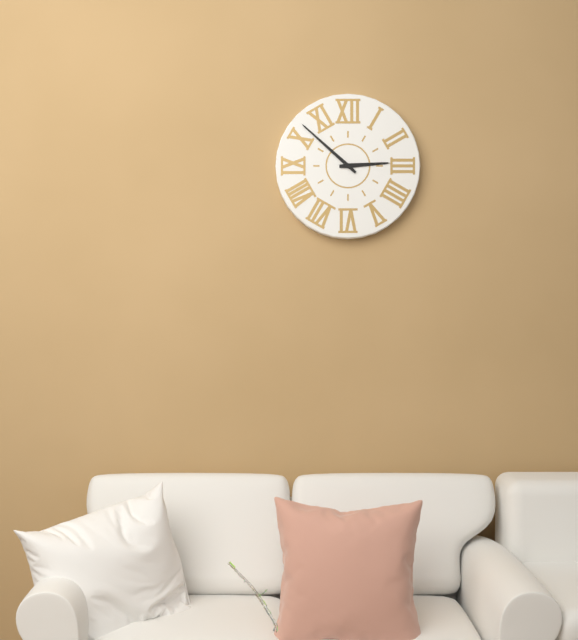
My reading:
2h52
